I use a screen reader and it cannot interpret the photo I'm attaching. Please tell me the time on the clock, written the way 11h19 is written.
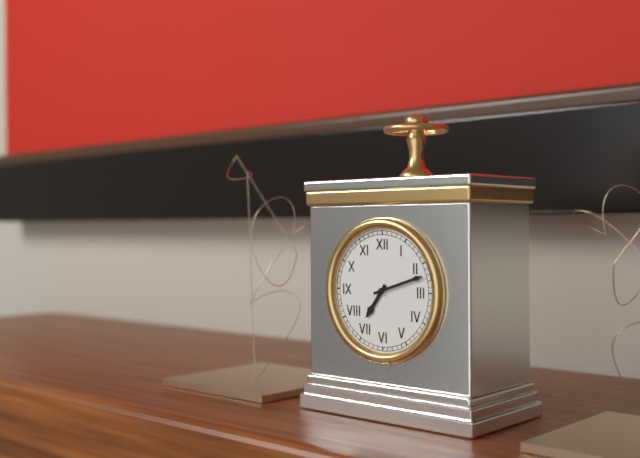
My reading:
7h12
